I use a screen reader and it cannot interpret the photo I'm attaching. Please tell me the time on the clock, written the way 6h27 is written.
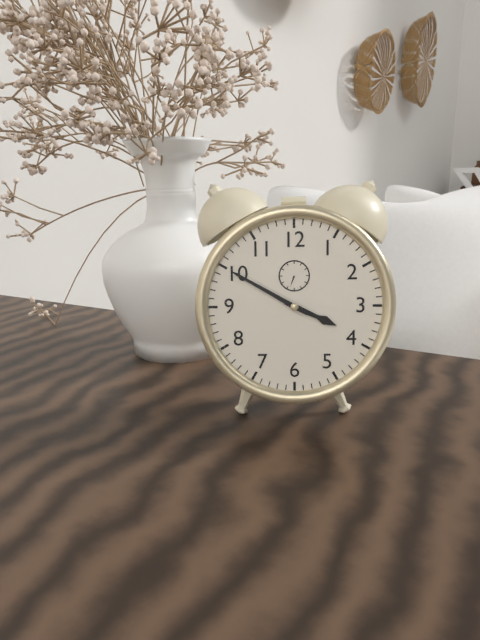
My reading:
3h50
